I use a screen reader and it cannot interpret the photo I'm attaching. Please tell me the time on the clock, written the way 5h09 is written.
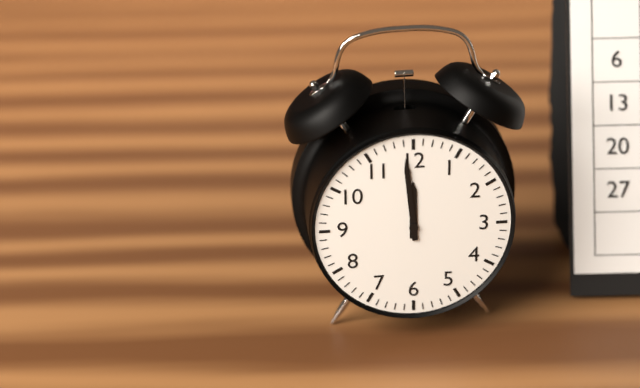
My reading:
11h59
